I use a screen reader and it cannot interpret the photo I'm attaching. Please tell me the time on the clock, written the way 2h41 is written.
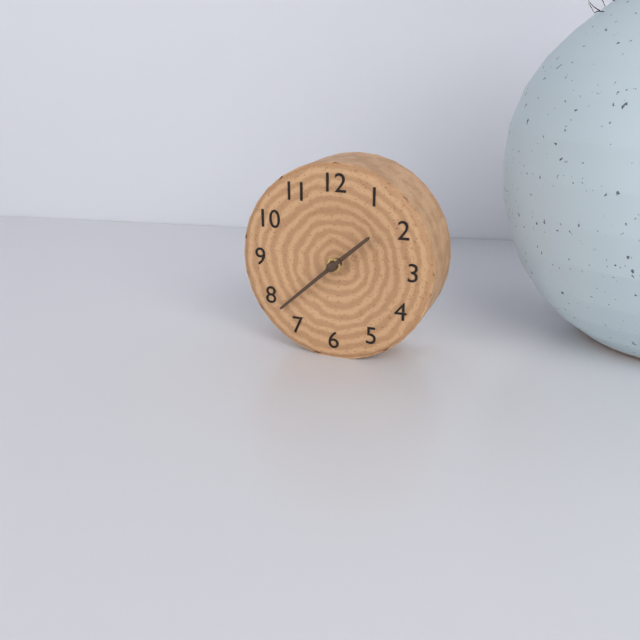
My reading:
1h38
